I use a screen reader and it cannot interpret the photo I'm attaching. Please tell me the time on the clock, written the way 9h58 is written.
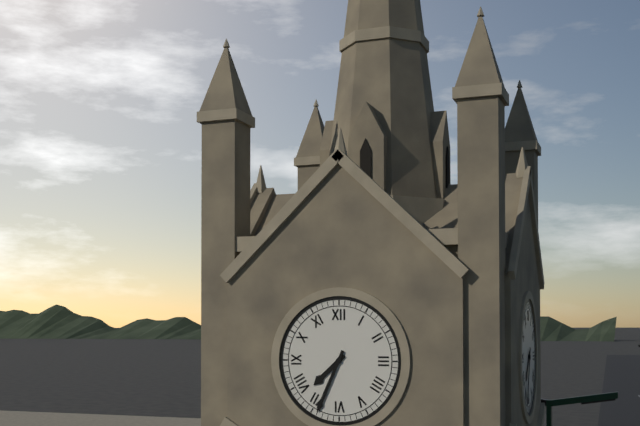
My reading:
7h34
